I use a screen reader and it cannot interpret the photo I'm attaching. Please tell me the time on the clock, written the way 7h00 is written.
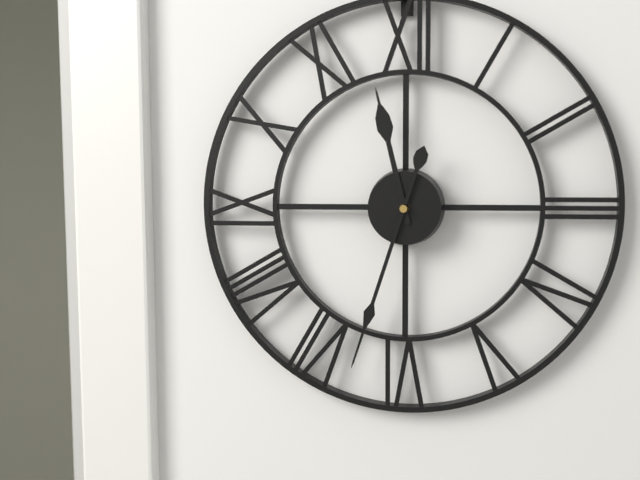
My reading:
11h33
